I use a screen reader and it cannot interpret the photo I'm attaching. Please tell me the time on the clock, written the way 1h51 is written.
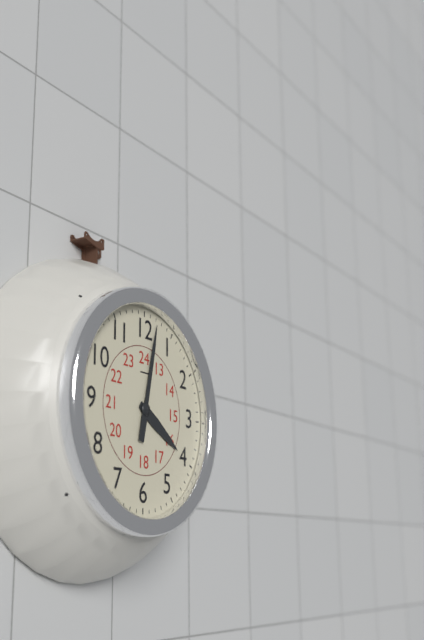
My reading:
4h02
